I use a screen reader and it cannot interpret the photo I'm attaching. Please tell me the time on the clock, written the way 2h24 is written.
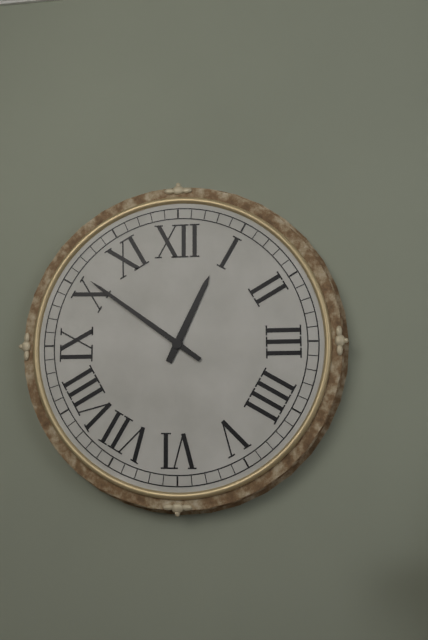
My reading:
12h51
